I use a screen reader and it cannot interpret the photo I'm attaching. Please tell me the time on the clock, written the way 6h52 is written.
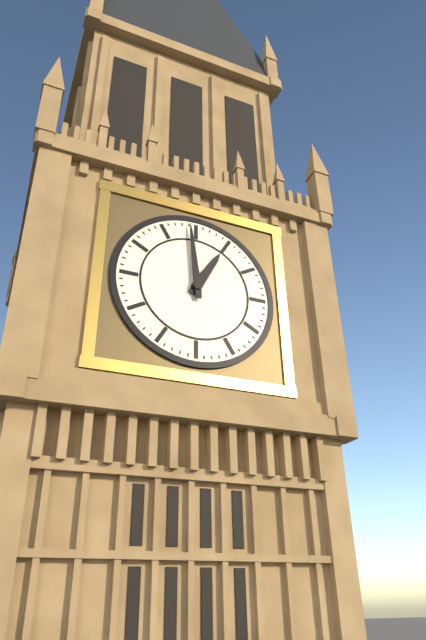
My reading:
12h59
